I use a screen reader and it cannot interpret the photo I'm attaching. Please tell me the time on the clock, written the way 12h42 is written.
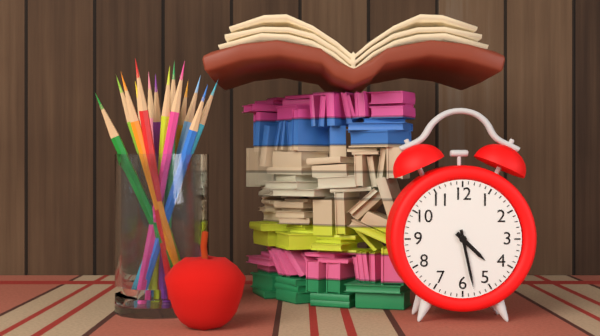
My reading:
4h28
